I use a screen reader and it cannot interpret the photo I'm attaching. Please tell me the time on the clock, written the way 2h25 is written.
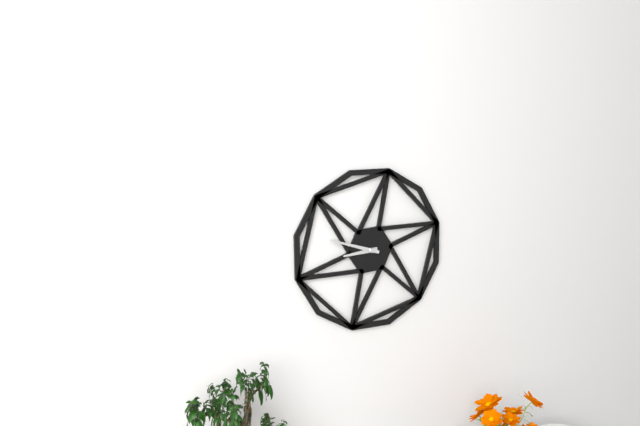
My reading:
8h48
